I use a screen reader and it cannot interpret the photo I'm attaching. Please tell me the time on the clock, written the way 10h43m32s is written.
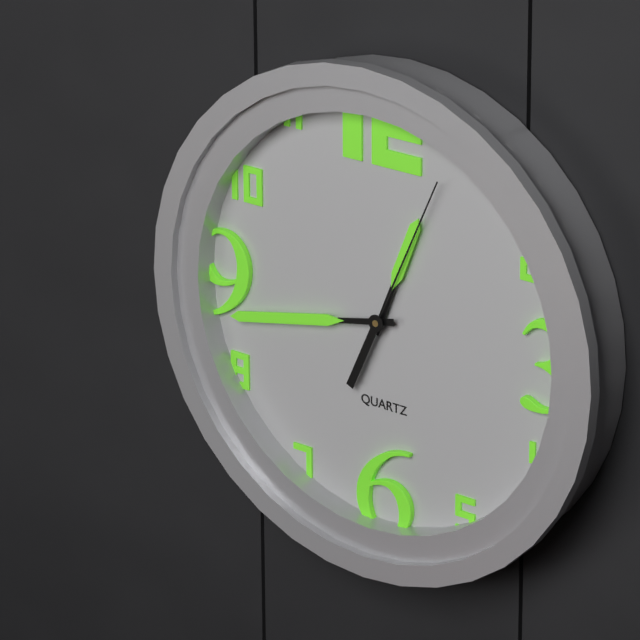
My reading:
12h43m04s
